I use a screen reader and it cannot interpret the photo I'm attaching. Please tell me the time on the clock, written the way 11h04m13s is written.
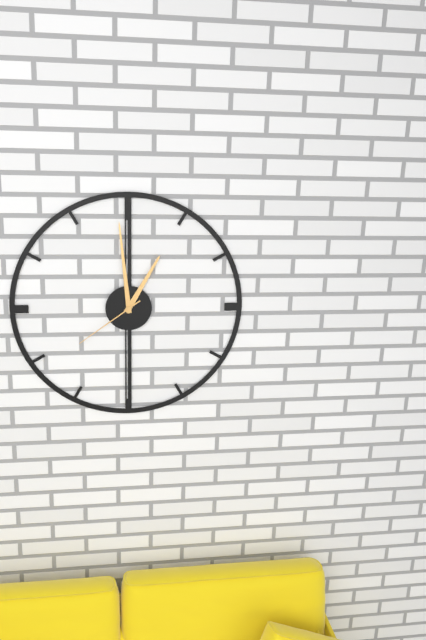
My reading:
12h59m39s
